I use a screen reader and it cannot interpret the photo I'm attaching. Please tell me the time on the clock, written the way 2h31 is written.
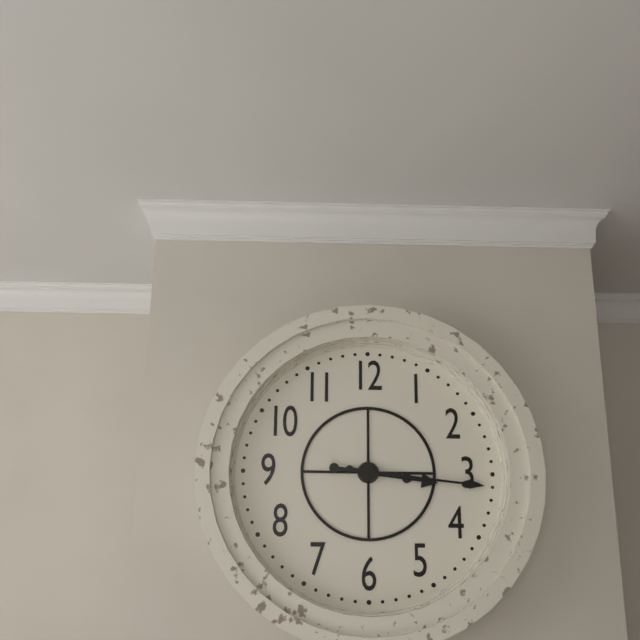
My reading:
3h16
